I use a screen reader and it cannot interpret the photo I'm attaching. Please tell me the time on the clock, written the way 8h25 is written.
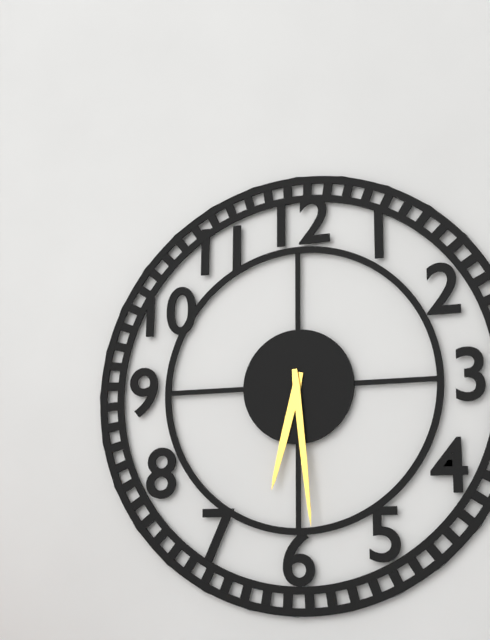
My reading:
6h29
